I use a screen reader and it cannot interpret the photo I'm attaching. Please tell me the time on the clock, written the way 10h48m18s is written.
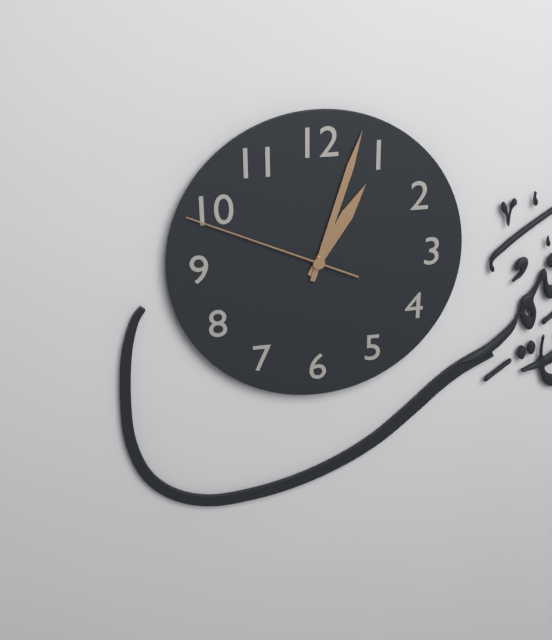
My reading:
1h03m49s
